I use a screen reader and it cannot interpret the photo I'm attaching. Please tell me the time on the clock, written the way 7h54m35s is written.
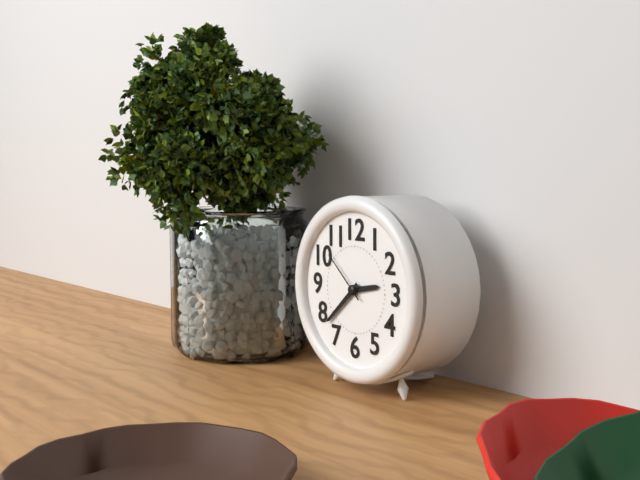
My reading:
2h38m52s
